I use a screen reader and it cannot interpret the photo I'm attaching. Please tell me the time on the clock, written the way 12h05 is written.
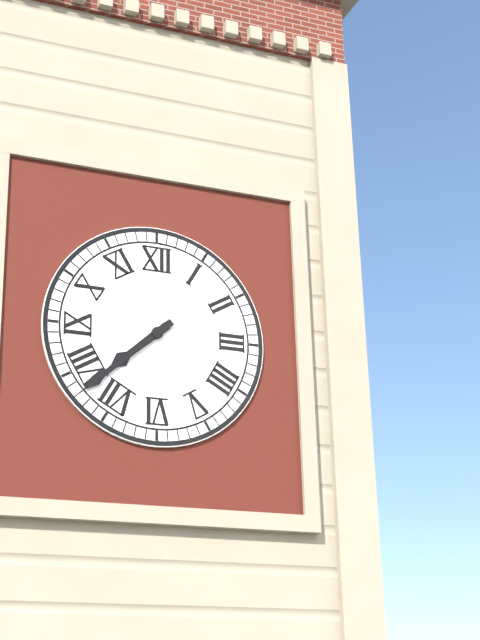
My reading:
7h38
